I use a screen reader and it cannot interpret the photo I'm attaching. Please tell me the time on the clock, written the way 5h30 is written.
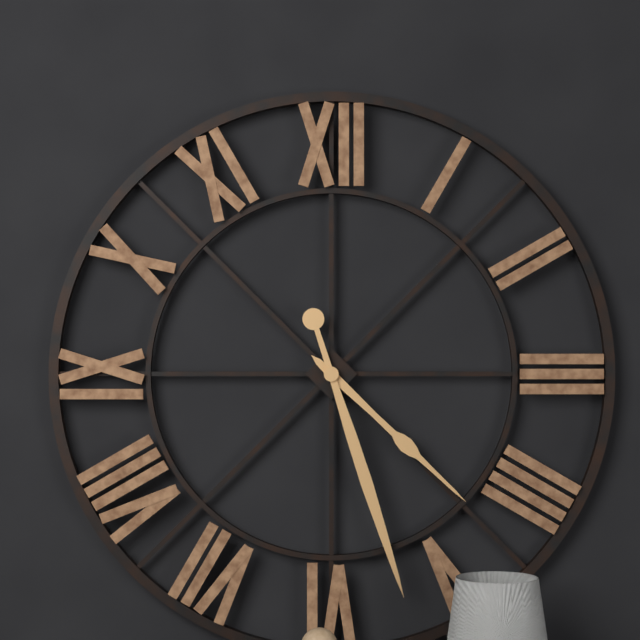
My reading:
4h27
